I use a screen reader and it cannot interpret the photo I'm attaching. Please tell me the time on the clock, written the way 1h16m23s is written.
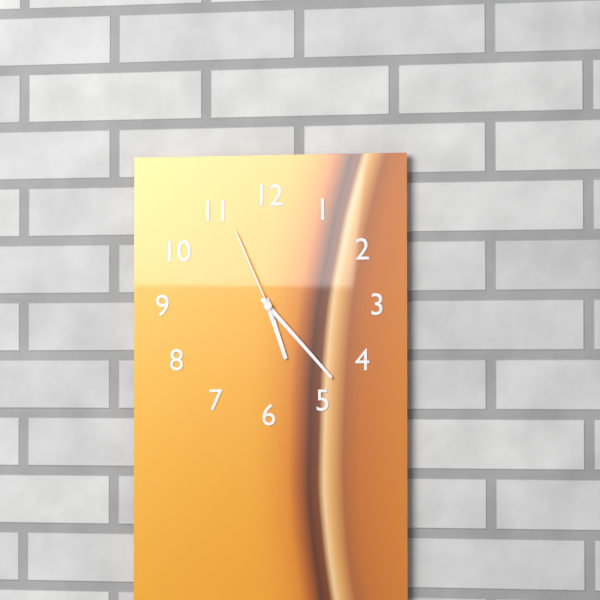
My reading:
5h23m56s
